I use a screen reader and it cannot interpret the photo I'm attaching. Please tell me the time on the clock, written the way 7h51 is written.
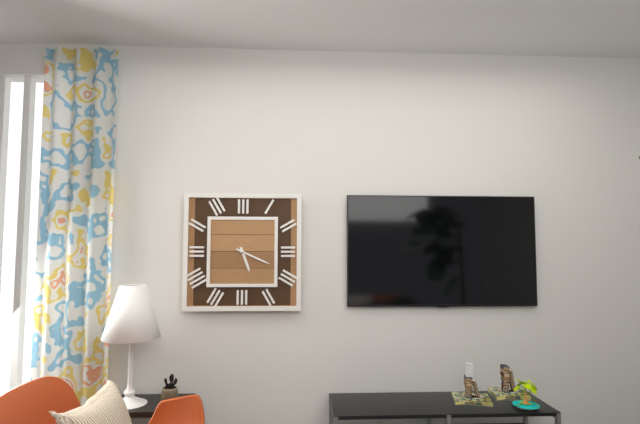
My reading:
5h19
